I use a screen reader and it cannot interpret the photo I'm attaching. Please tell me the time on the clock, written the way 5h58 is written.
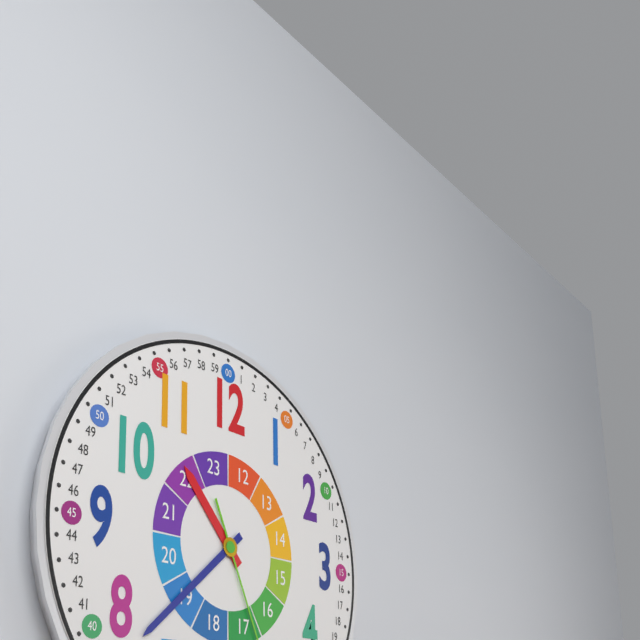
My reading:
10h38
